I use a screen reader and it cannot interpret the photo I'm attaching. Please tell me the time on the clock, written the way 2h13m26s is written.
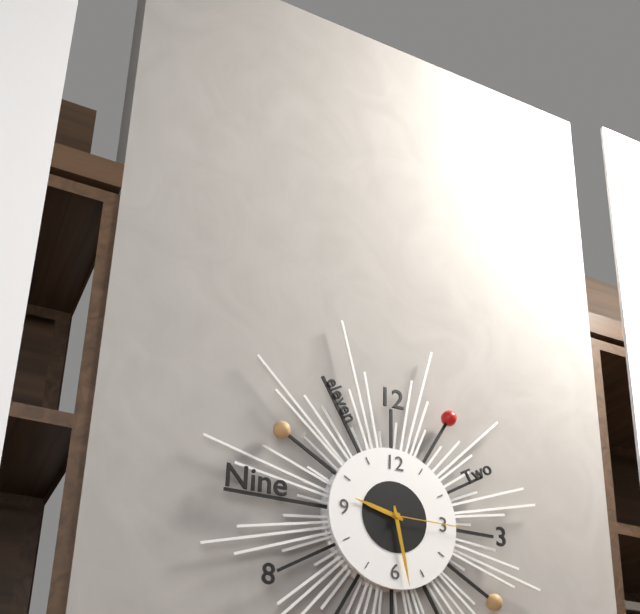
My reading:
9h28m15s
